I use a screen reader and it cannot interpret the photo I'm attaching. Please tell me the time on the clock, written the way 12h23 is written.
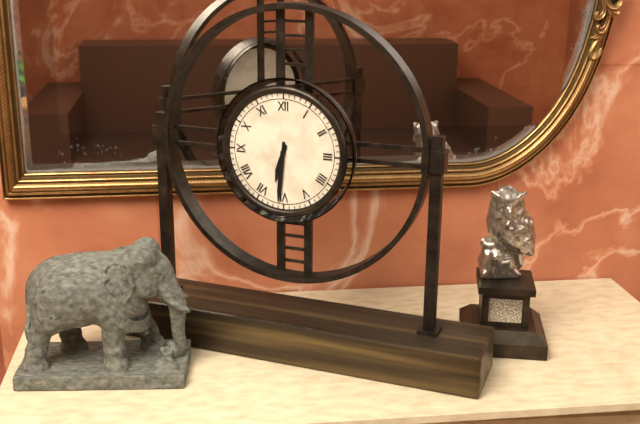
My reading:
6h31
